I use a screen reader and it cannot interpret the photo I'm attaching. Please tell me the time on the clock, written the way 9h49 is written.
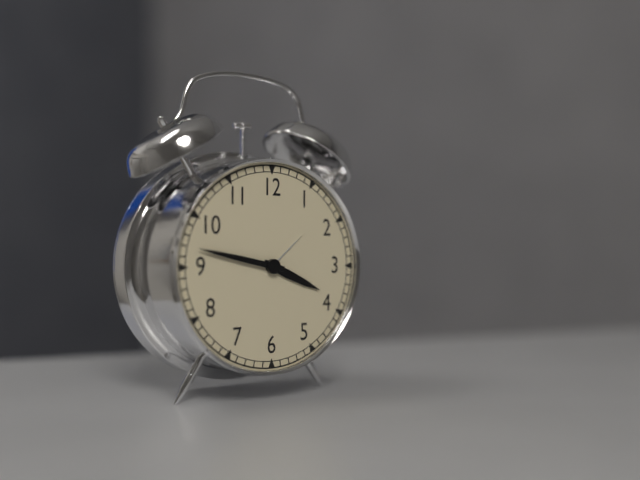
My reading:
3h47
